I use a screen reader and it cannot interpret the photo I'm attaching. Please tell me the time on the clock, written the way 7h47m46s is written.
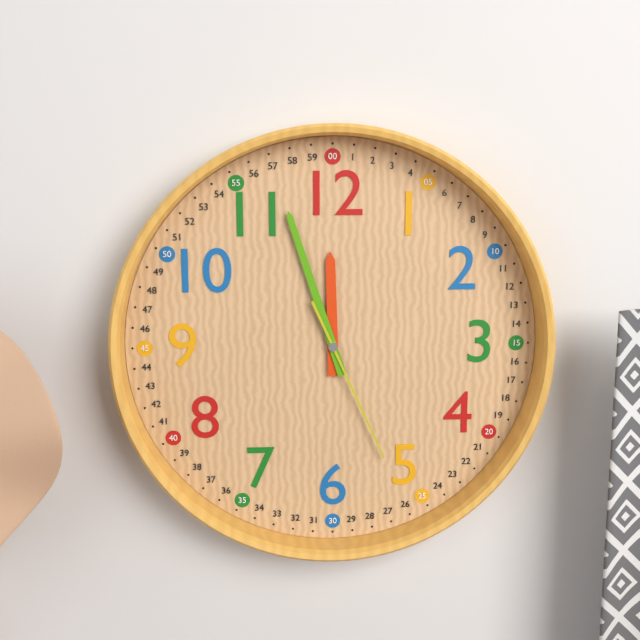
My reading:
11h57m26s
